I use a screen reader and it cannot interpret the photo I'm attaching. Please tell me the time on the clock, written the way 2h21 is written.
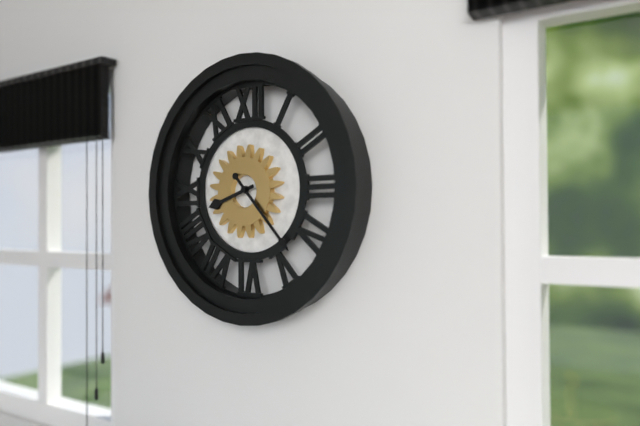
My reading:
8h23
